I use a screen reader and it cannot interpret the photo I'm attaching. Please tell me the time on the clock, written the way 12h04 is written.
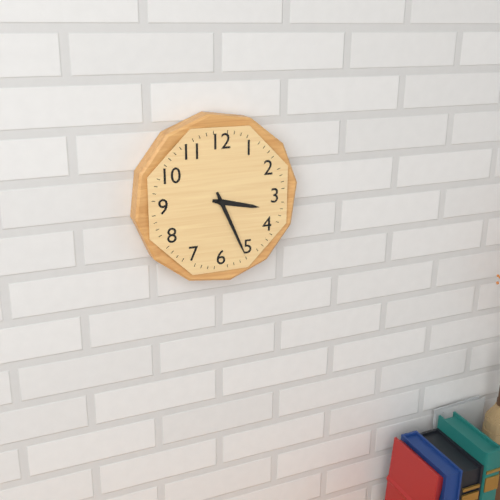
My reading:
3h26
